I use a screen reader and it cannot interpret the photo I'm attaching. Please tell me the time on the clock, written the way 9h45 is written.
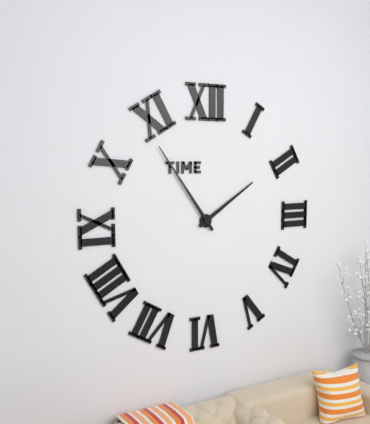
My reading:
1h54
